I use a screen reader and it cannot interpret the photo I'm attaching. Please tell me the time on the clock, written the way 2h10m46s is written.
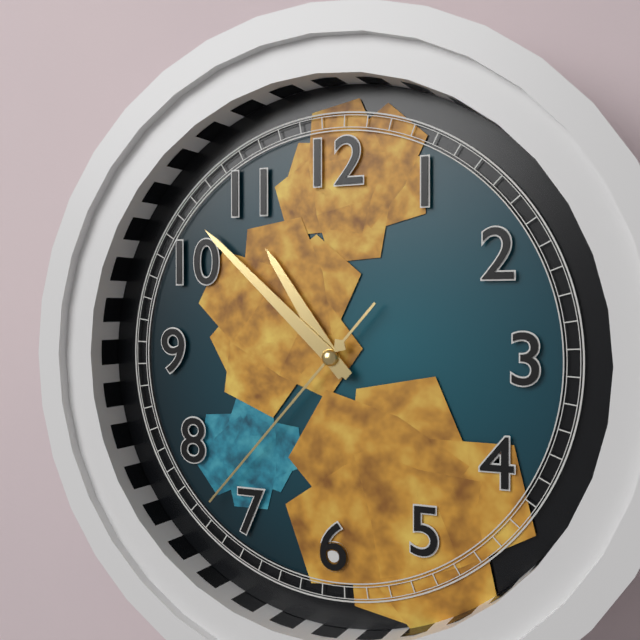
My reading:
10h52m37s
